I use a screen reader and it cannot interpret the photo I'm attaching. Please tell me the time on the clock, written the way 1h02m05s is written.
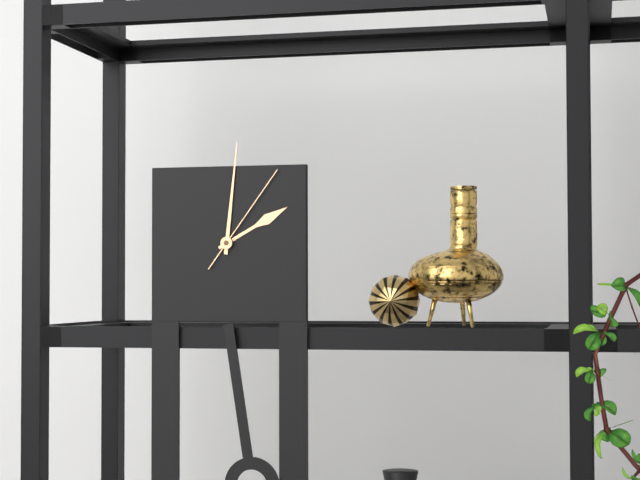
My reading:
2h01m06s
